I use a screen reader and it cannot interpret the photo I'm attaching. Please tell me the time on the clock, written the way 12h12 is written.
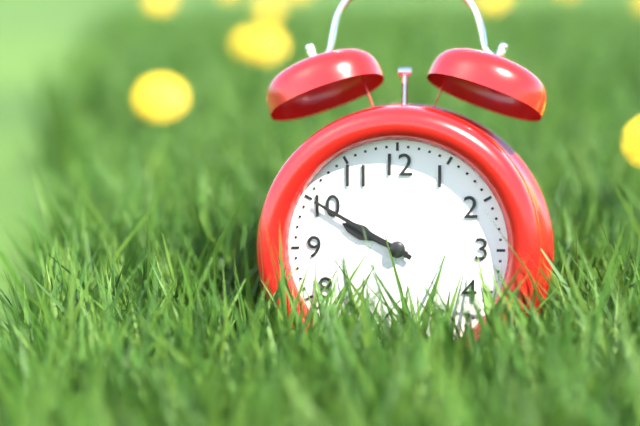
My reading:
9h50
